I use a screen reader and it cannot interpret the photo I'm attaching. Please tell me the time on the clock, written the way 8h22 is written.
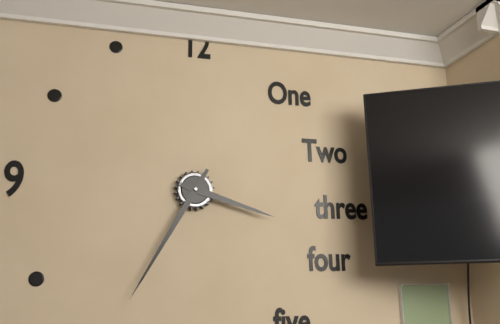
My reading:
3h35
